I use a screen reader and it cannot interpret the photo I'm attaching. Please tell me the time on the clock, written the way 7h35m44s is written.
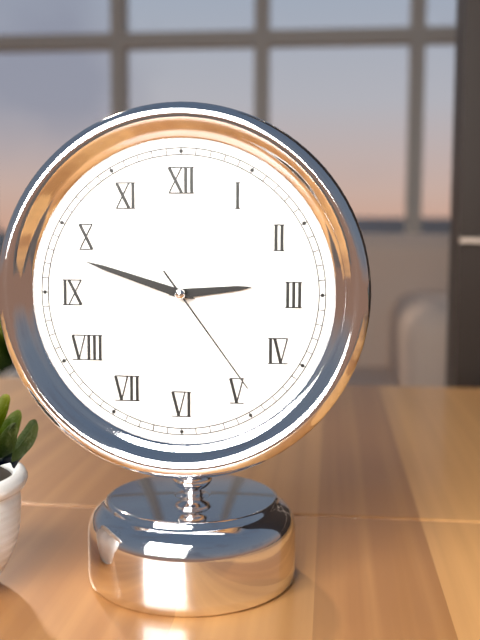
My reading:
2h48m24s
